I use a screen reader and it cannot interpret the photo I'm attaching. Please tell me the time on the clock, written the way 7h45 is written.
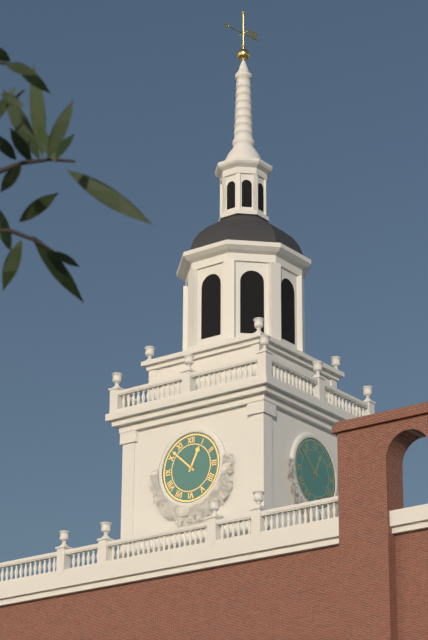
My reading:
12h52
